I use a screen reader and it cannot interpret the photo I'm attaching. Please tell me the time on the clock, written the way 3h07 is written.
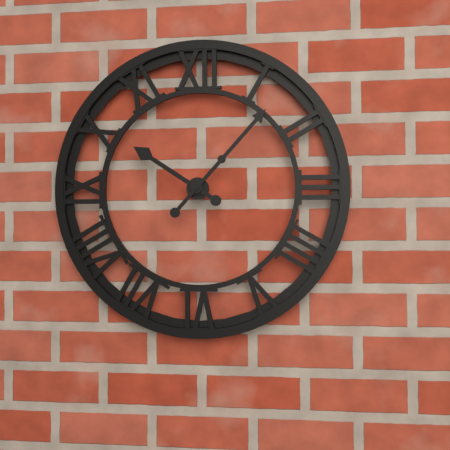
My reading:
10h07
